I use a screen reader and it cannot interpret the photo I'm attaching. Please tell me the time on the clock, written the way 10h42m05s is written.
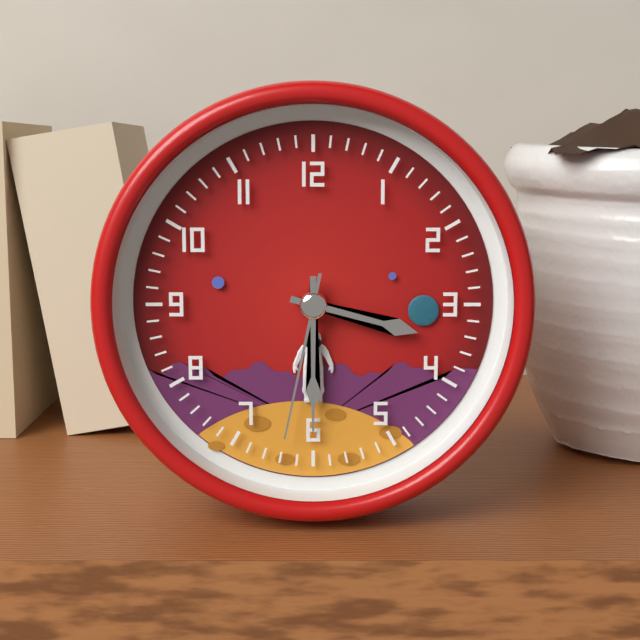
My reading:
3h30m32s
